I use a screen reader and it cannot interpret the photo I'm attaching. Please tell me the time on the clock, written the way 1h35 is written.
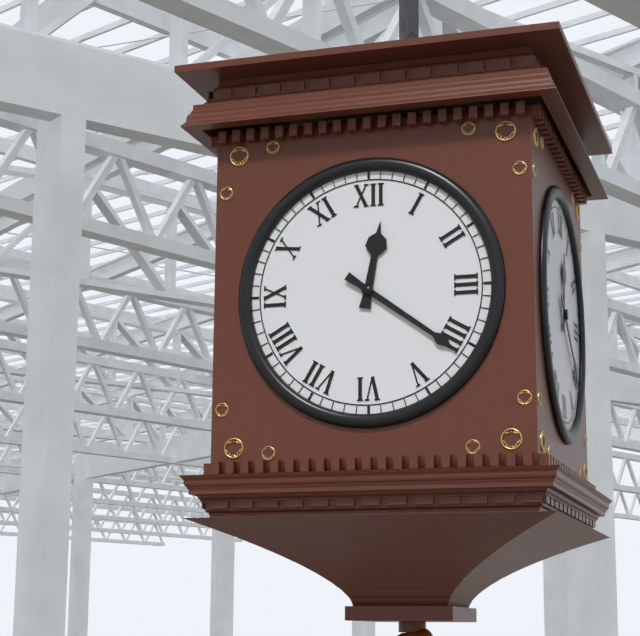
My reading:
12h21
